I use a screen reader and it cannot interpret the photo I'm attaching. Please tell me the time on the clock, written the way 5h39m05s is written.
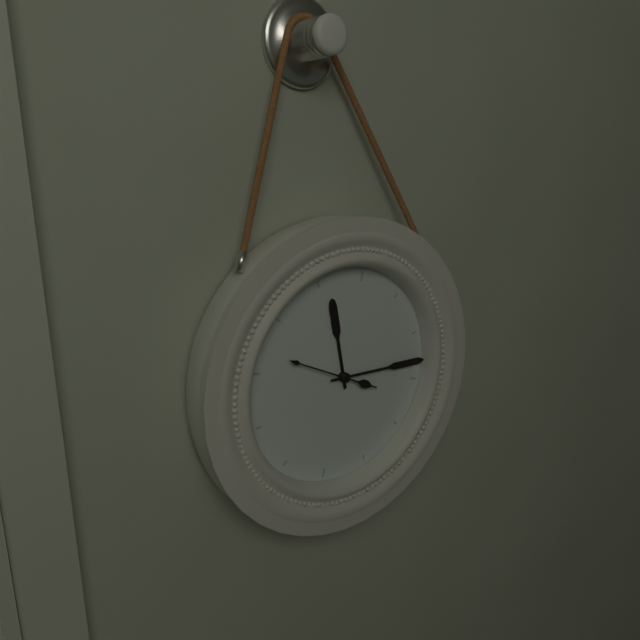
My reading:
11h13m47s
